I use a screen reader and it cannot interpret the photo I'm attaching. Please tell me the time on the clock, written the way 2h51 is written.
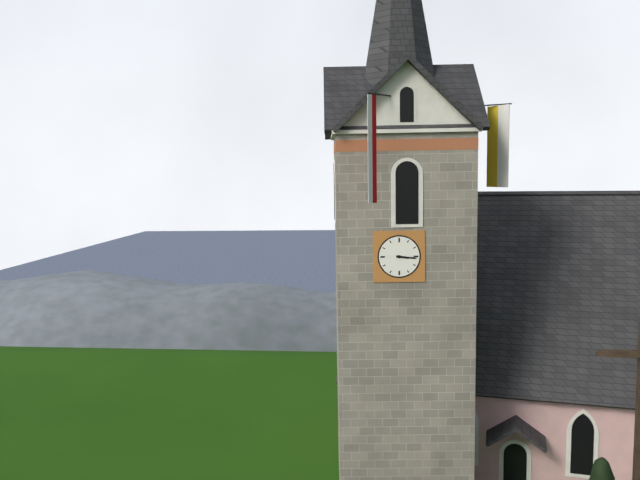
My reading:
3h16
